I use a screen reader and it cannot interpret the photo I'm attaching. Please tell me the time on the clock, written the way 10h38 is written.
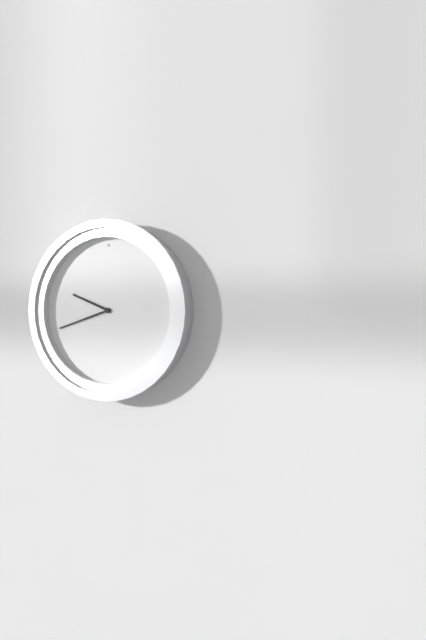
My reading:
9h42
